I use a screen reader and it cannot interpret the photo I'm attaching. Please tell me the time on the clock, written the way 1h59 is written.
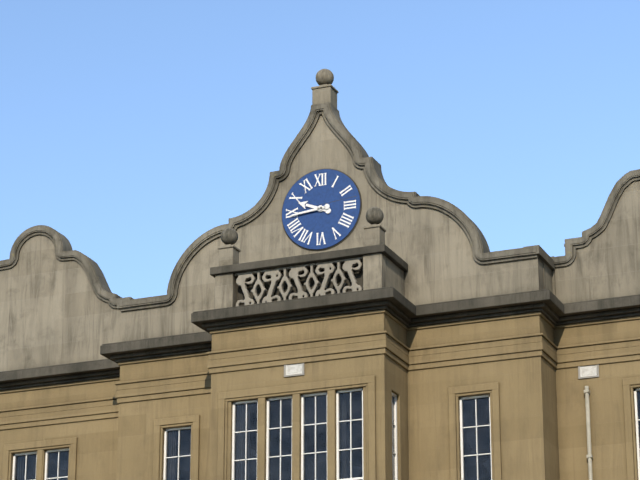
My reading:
9h44
